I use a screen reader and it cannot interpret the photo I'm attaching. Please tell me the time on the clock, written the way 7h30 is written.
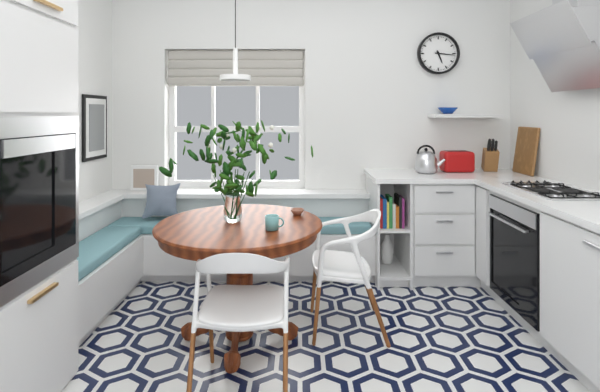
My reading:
5h16
